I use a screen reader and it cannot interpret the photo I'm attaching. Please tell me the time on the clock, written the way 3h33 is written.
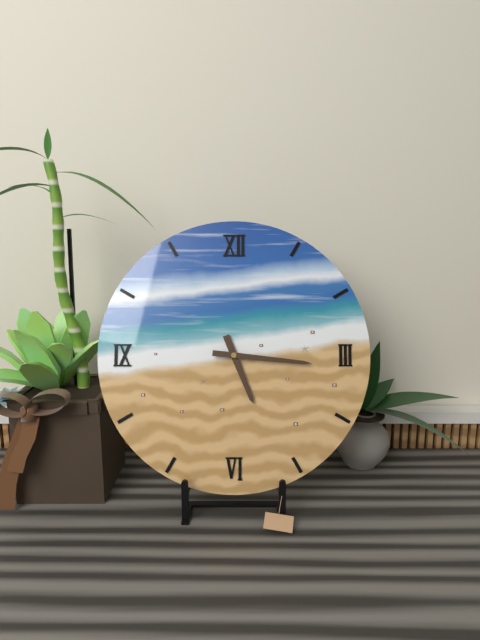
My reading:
5h16
